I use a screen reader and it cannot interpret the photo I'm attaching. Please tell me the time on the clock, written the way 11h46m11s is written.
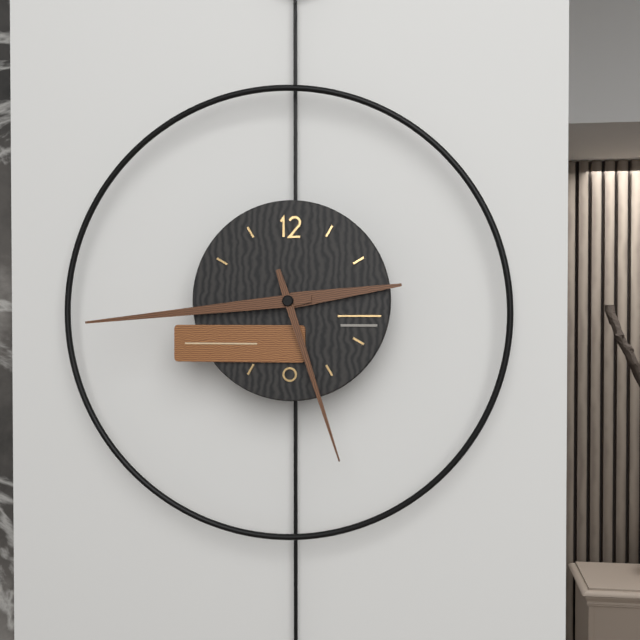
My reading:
2h44m27s
